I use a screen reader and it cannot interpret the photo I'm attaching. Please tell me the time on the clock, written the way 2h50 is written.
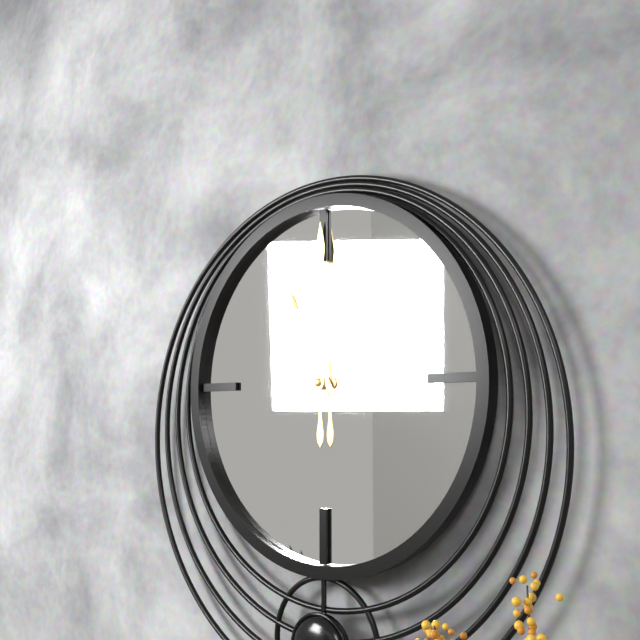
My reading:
11h00
